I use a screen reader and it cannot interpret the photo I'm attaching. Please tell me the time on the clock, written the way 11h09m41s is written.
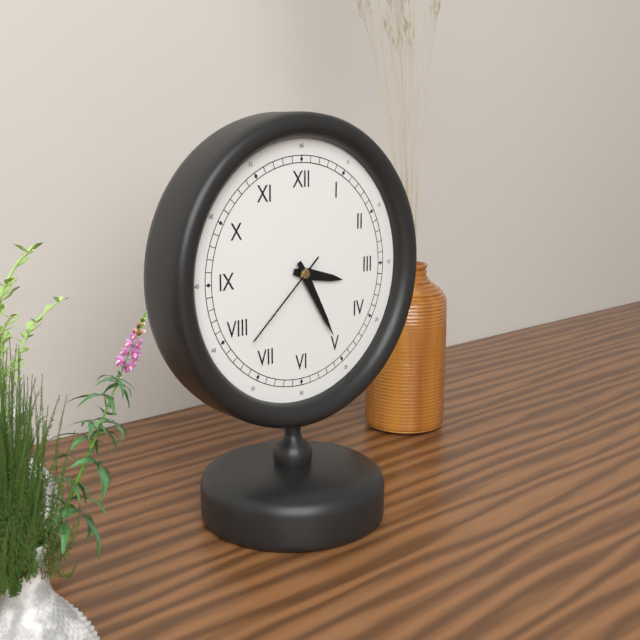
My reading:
3h25m38s
